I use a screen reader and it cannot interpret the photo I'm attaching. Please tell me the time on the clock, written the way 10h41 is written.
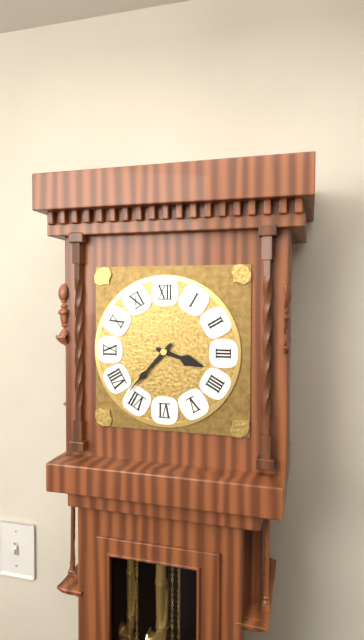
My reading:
3h37
